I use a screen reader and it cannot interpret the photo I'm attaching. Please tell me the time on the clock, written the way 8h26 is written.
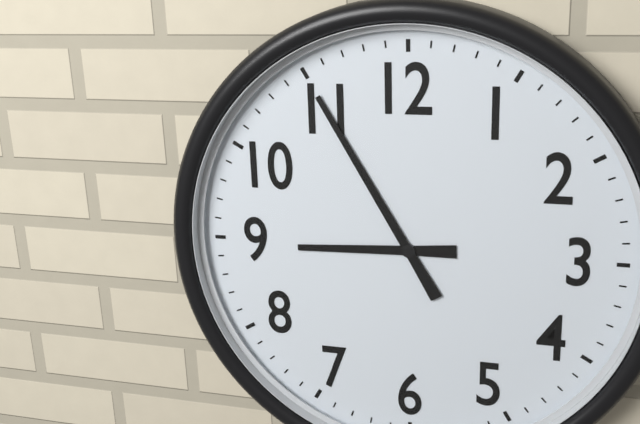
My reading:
8h55
